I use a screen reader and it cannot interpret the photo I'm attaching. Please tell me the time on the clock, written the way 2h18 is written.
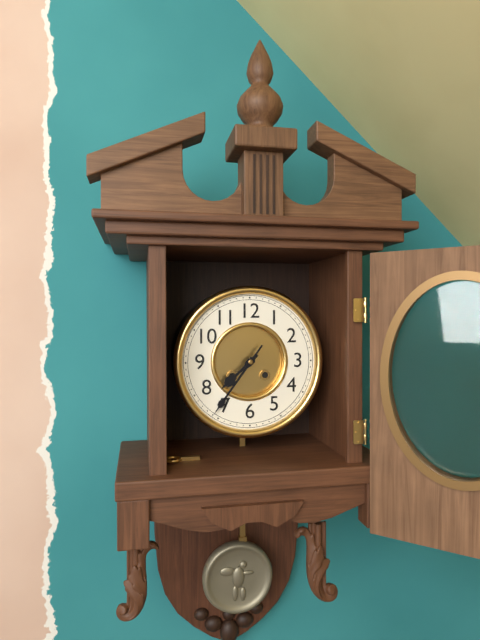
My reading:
7h36
